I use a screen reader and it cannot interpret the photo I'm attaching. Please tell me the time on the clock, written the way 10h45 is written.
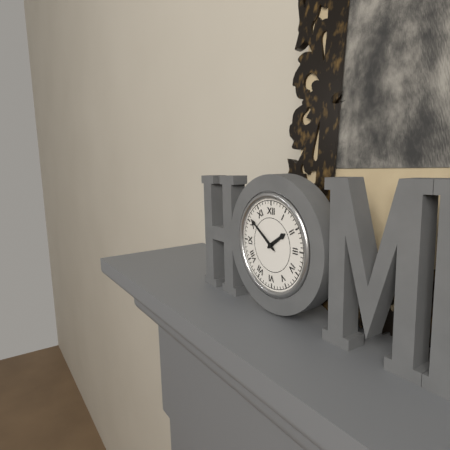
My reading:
1h51
